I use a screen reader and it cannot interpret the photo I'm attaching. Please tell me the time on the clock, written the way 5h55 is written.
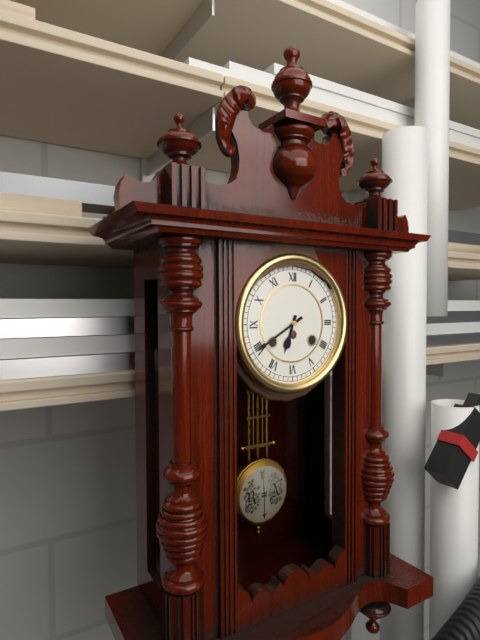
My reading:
6h40
